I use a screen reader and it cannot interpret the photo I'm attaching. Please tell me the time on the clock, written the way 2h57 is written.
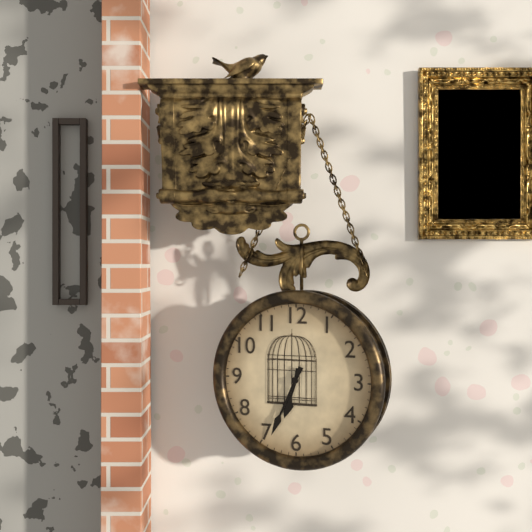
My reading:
6h34
